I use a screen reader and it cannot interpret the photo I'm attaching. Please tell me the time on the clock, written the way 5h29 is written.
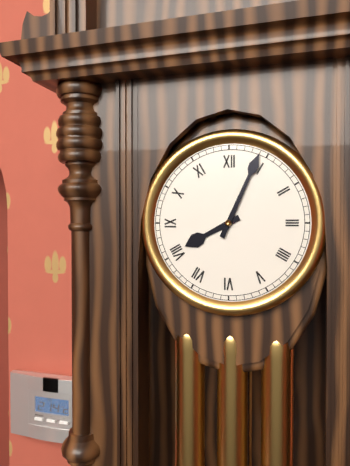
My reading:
8h04
